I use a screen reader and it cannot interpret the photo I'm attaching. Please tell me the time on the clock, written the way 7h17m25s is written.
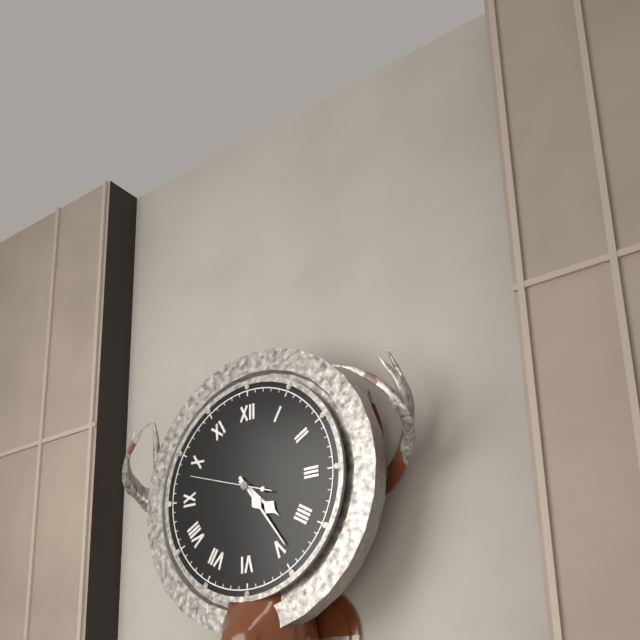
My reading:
4h24m48s
